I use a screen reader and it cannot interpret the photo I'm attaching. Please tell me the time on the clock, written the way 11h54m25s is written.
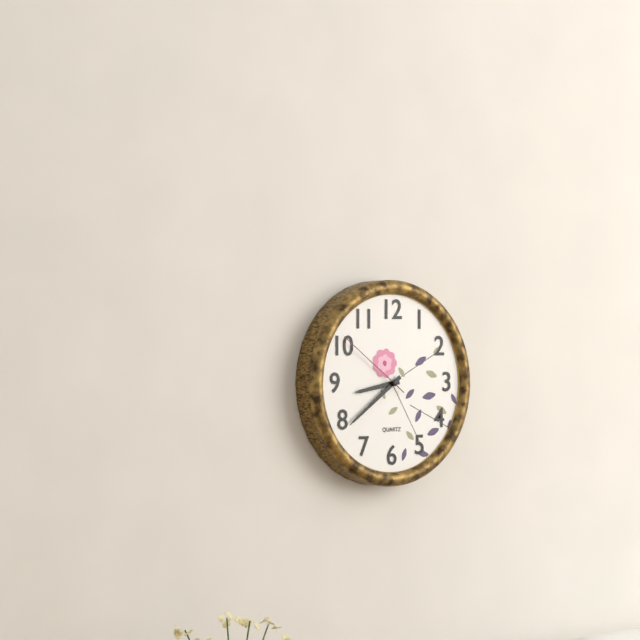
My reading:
8h39m51s
